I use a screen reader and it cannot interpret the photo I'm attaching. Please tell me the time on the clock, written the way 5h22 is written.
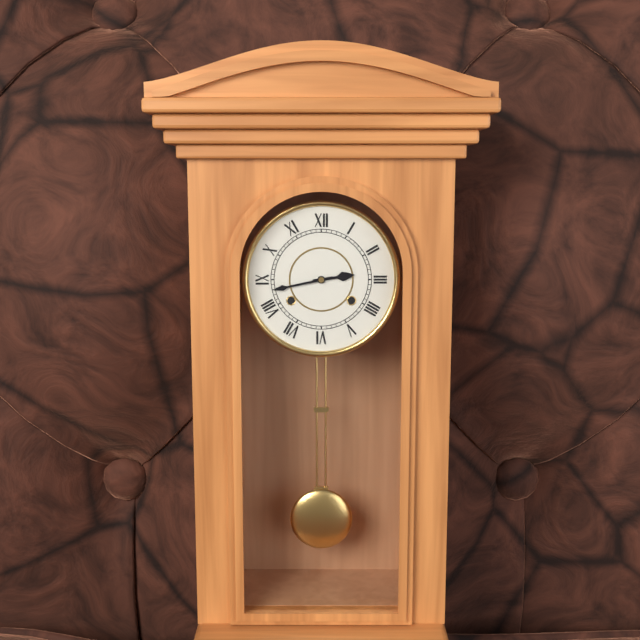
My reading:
2h43
